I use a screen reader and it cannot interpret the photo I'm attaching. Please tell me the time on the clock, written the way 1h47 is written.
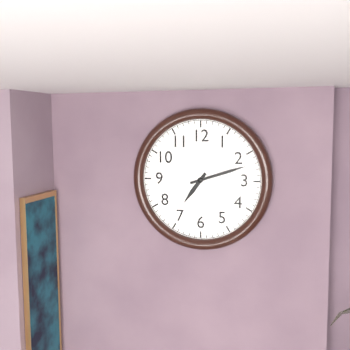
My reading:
7h12
